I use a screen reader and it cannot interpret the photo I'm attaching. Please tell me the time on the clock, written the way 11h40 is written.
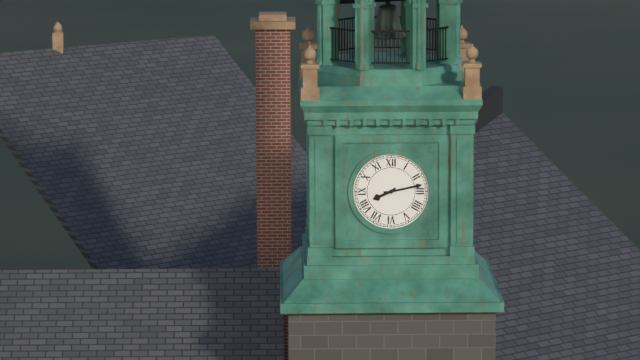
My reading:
8h13
